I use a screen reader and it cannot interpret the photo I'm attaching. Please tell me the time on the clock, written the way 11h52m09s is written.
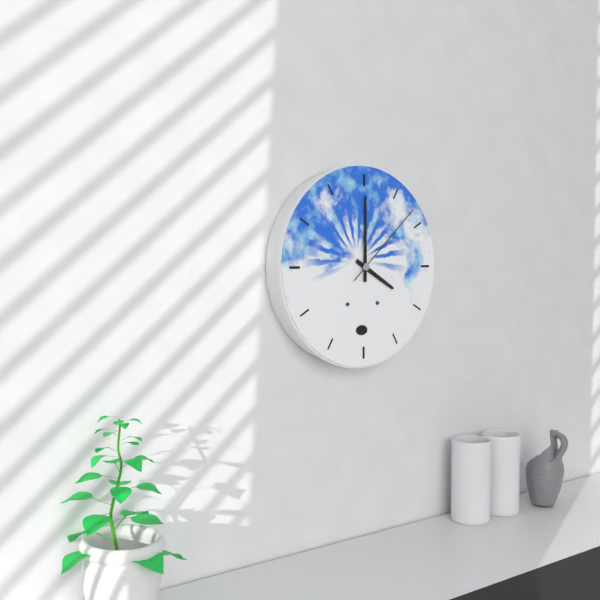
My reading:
4h00m08s
